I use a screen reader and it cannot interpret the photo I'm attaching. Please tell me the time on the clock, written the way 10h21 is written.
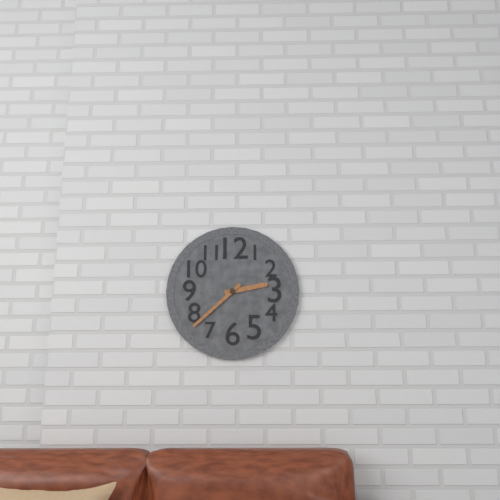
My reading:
2h38
